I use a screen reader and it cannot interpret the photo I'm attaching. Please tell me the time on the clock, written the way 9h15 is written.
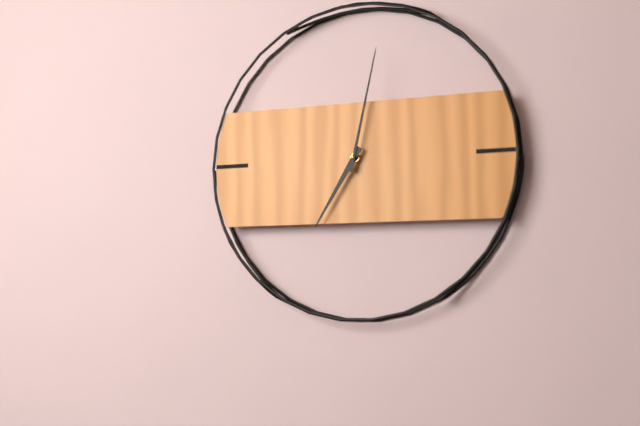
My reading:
7h02
